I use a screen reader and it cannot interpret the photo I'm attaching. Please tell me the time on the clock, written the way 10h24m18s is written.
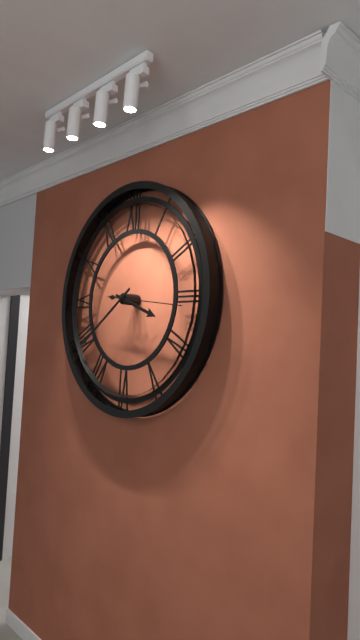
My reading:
3h39m16s
